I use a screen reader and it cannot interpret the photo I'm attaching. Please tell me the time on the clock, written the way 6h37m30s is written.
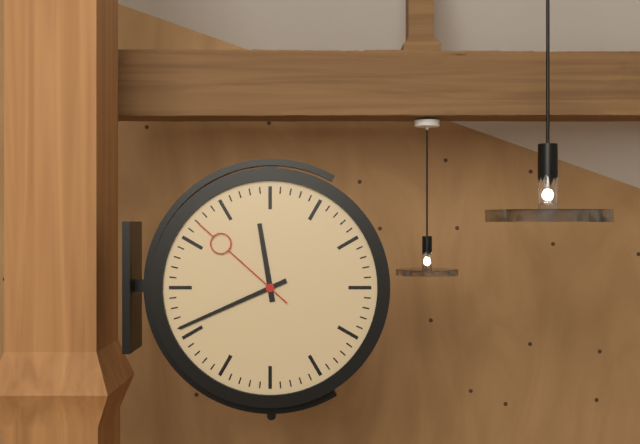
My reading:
11h41m52s
